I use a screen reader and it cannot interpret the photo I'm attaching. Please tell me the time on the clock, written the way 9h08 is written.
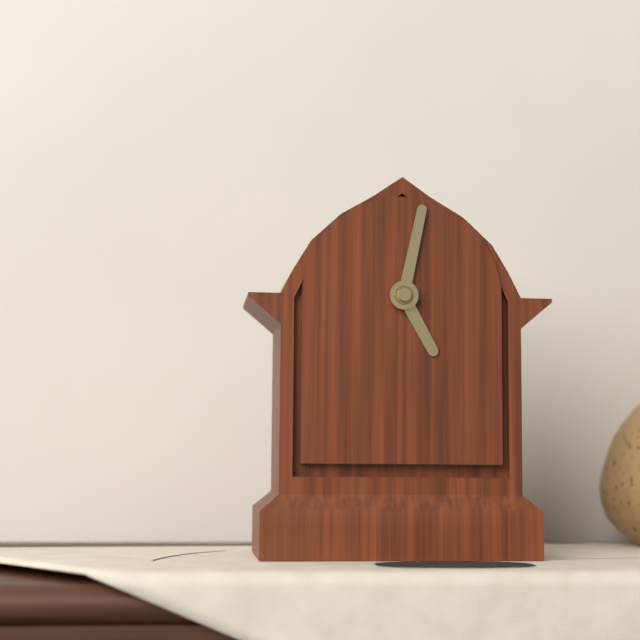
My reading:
5h02
